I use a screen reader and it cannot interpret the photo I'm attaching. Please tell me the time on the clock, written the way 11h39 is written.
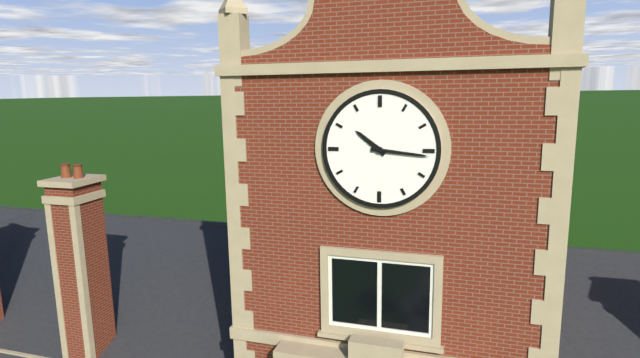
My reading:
10h16
